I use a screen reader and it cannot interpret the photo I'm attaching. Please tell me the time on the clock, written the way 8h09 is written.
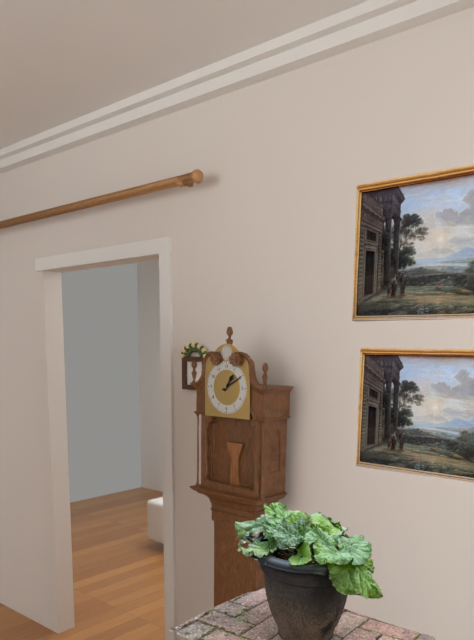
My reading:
1h10
